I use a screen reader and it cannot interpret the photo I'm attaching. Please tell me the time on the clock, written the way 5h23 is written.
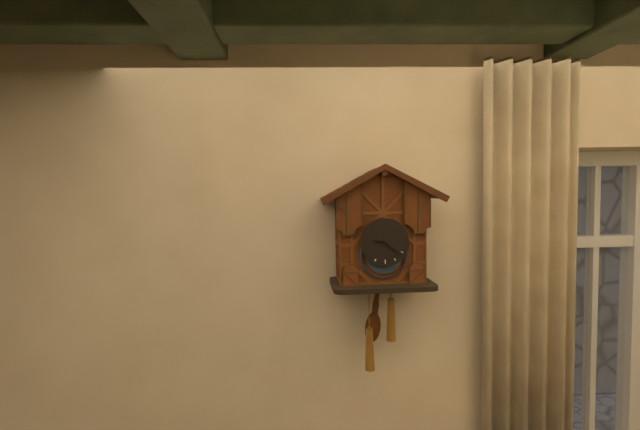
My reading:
9h22
